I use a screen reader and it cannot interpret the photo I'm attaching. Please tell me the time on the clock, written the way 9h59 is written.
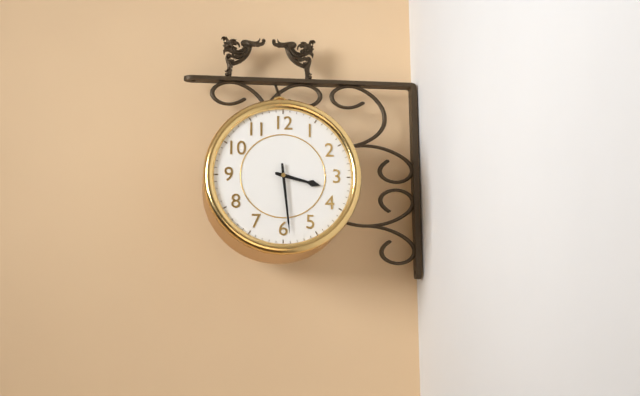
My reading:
3h29
